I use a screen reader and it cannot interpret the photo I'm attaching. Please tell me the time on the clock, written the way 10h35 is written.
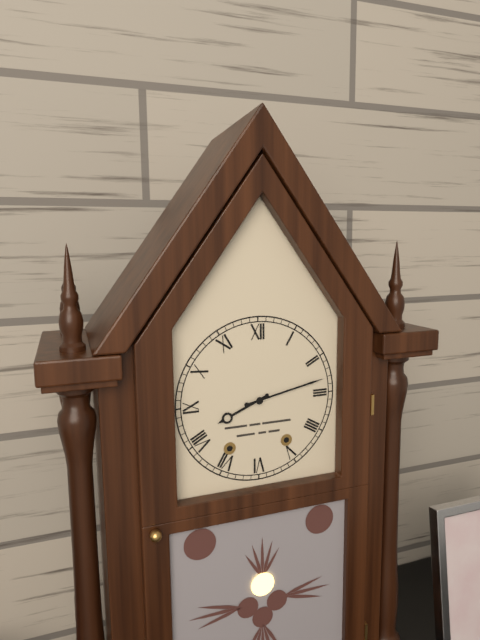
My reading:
8h13
